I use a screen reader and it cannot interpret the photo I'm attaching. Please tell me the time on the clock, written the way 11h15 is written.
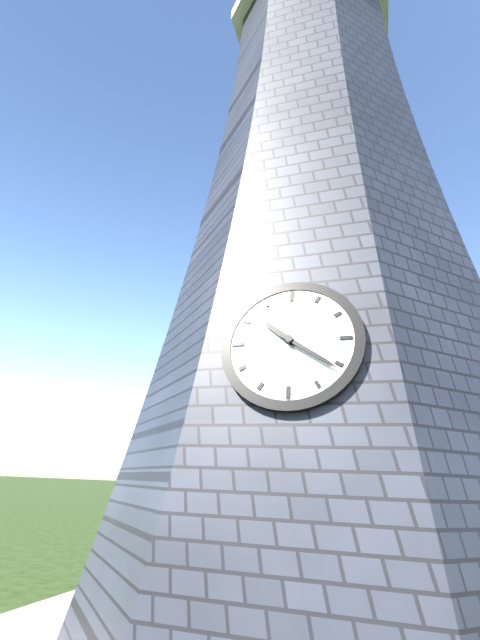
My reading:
10h21
